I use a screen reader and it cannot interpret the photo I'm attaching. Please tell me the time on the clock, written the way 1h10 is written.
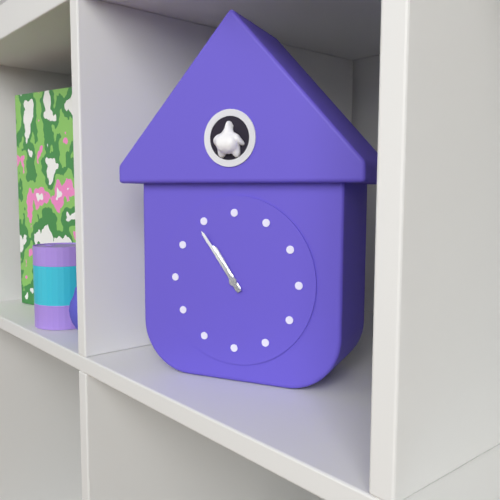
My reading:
10h54
